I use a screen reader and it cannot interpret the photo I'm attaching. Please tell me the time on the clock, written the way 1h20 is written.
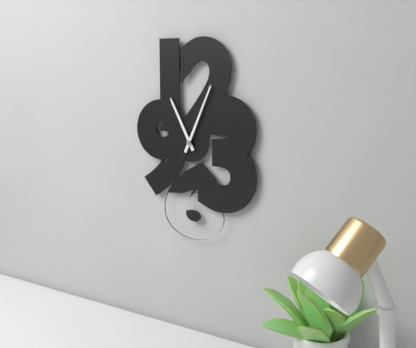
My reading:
11h04
